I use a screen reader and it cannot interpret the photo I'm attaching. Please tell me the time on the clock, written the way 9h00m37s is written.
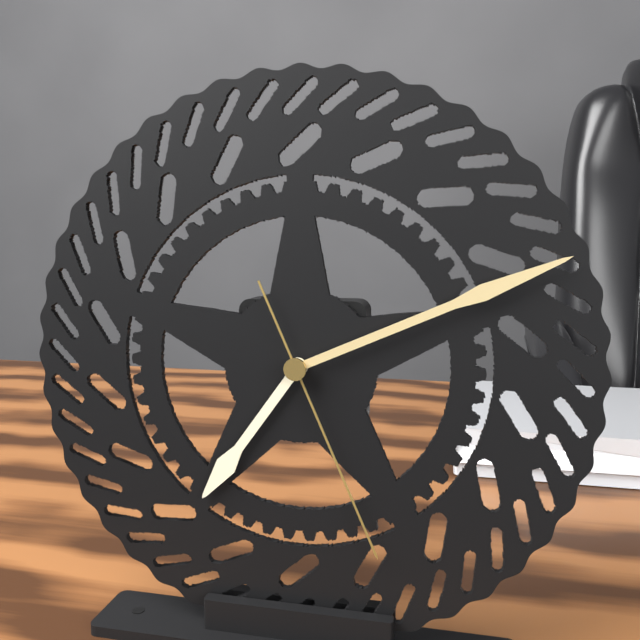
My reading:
7h11m26s
